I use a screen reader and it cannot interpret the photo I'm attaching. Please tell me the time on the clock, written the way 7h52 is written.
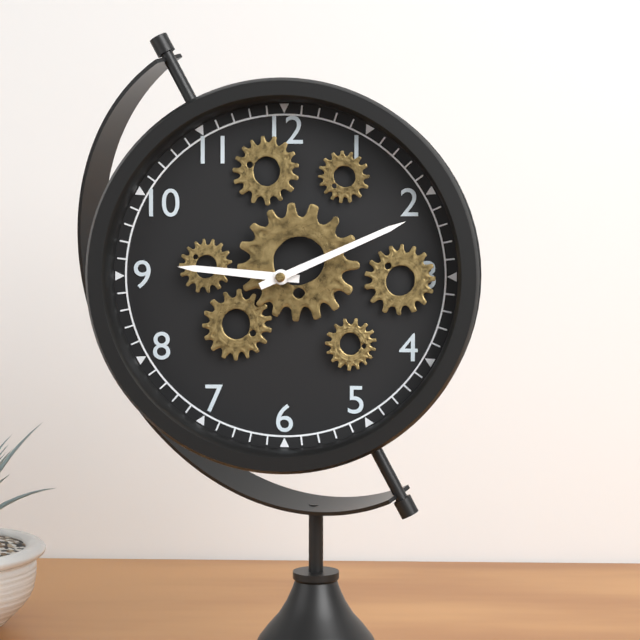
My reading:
9h11
